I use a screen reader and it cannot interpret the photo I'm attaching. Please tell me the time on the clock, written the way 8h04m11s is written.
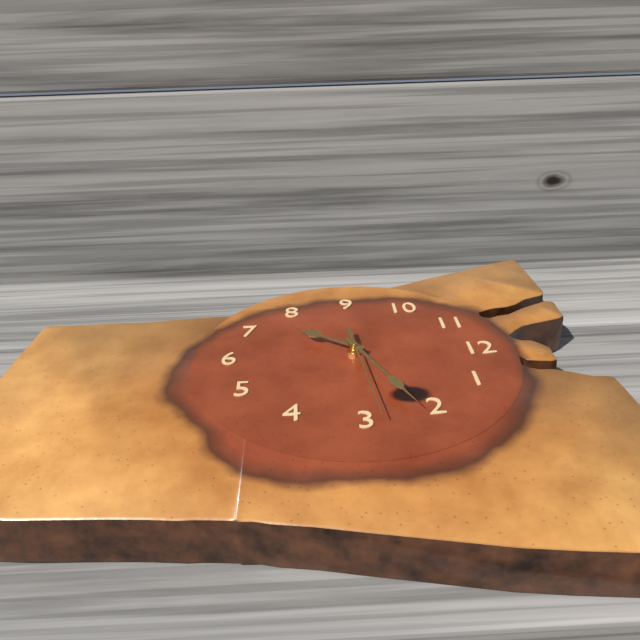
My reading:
7h11m14s
